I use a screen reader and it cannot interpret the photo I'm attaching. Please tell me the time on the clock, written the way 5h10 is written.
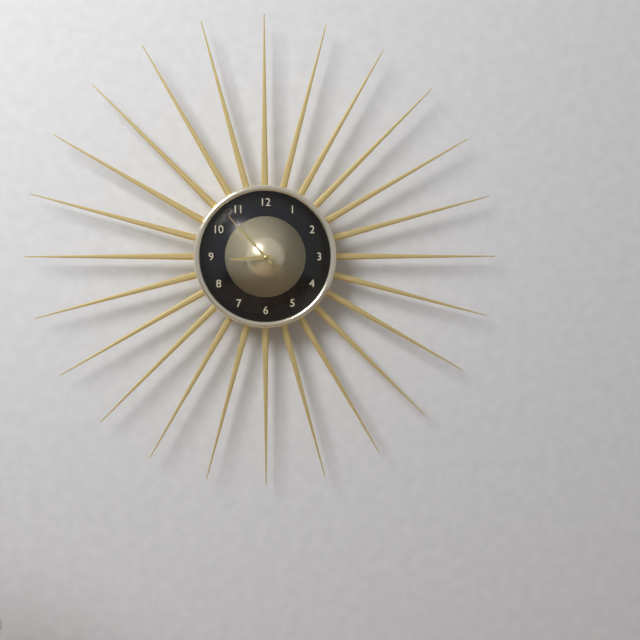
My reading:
8h53
